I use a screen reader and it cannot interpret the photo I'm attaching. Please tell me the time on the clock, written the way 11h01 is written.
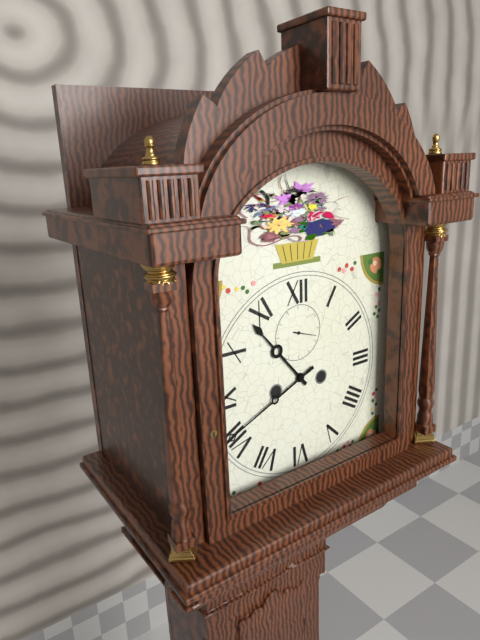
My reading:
10h41
